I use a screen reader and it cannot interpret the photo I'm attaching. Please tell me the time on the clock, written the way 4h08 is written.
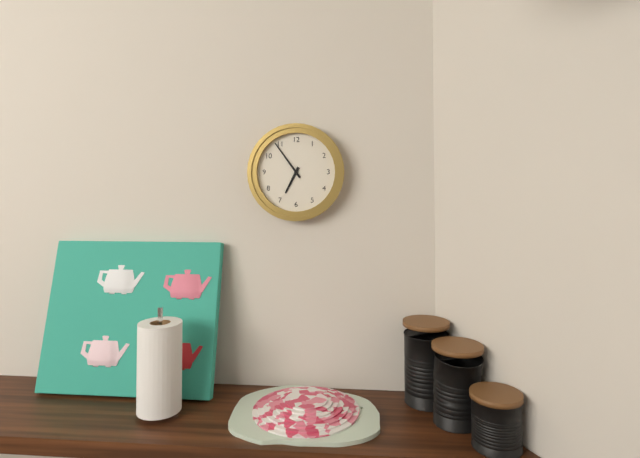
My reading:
6h54
